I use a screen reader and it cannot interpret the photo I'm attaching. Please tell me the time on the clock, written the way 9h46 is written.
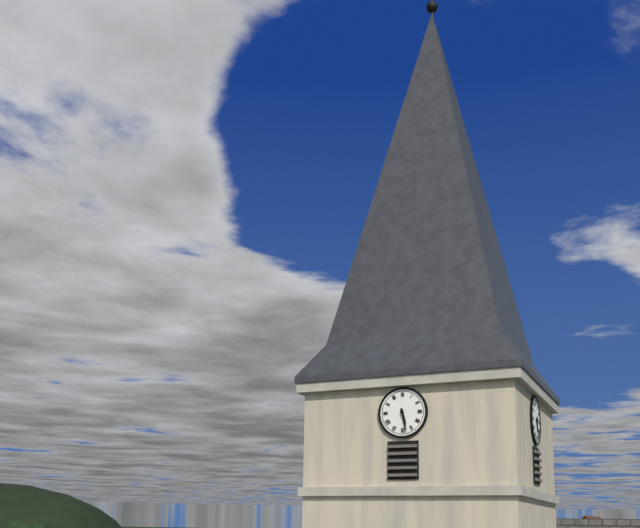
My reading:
5h28
